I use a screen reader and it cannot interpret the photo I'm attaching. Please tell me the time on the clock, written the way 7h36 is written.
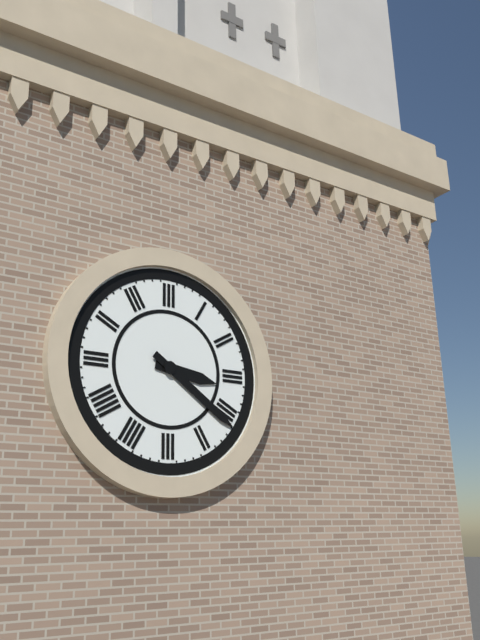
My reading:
3h21
